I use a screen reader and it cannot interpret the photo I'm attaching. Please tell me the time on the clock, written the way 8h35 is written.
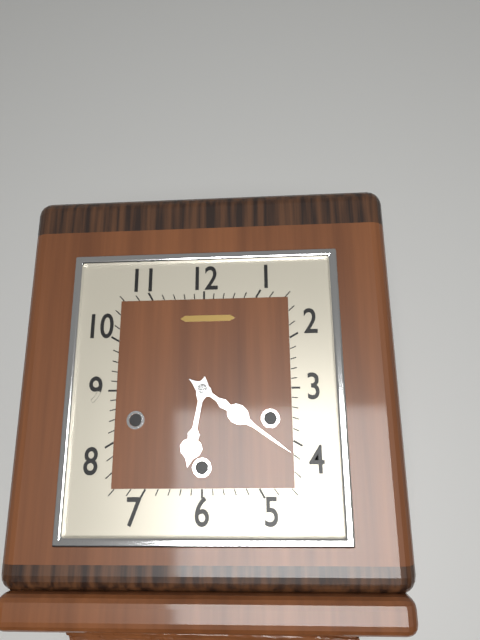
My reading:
6h21
